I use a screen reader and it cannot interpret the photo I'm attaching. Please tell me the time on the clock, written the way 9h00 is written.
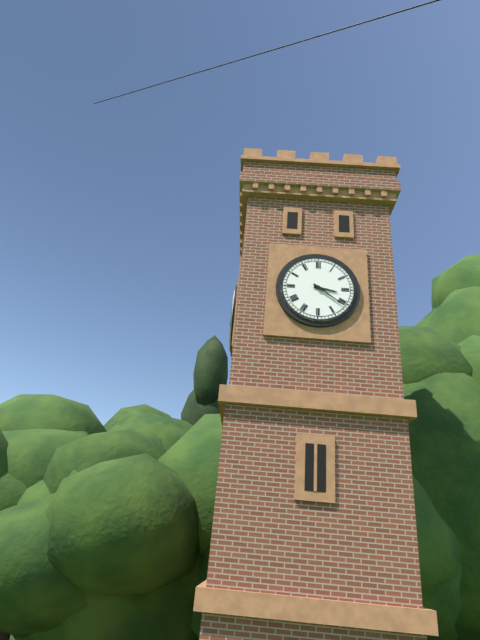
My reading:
3h21
